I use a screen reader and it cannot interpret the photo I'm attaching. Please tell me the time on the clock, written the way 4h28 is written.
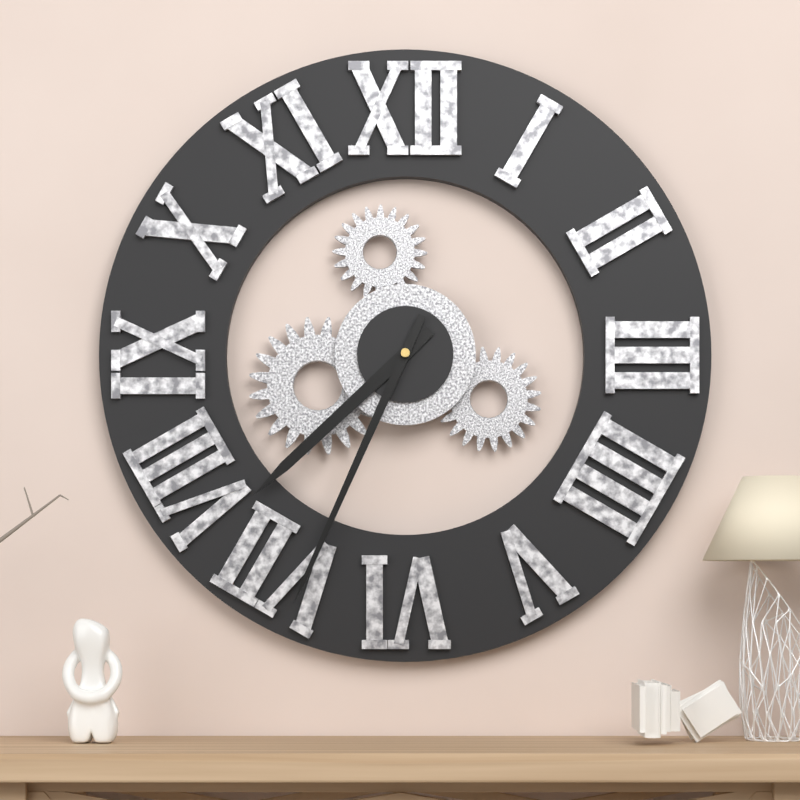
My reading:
7h34
